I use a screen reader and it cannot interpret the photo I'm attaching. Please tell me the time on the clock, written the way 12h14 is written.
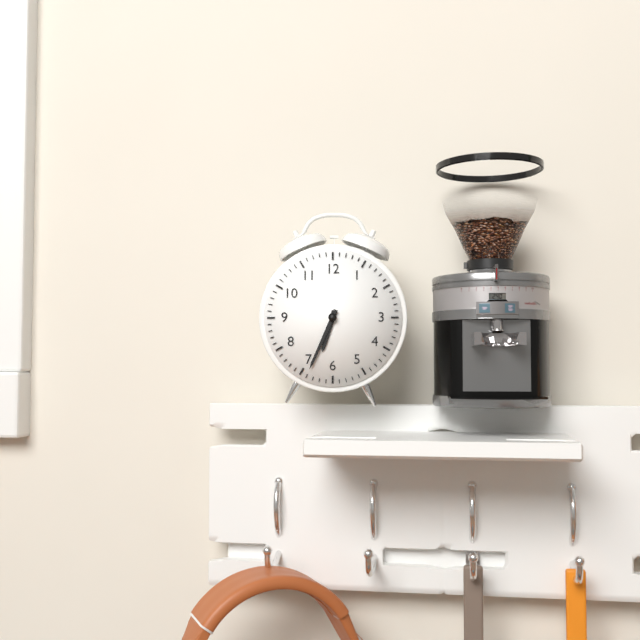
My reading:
6h34
